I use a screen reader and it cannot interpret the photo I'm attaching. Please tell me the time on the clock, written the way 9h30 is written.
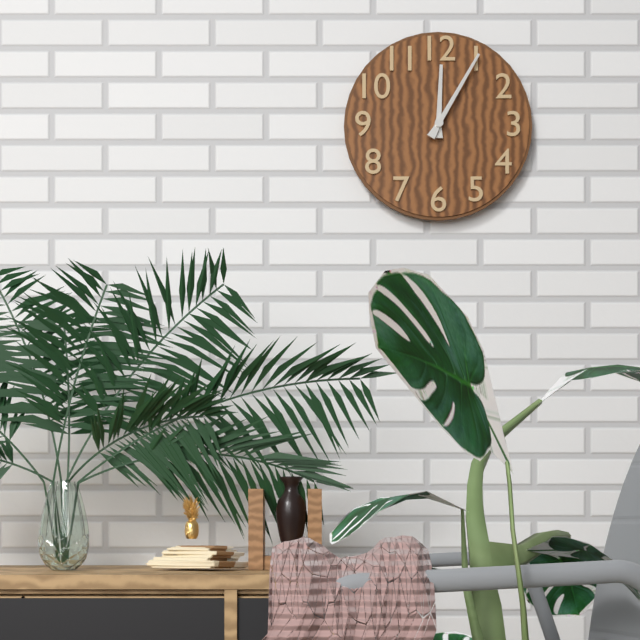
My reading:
12h05
